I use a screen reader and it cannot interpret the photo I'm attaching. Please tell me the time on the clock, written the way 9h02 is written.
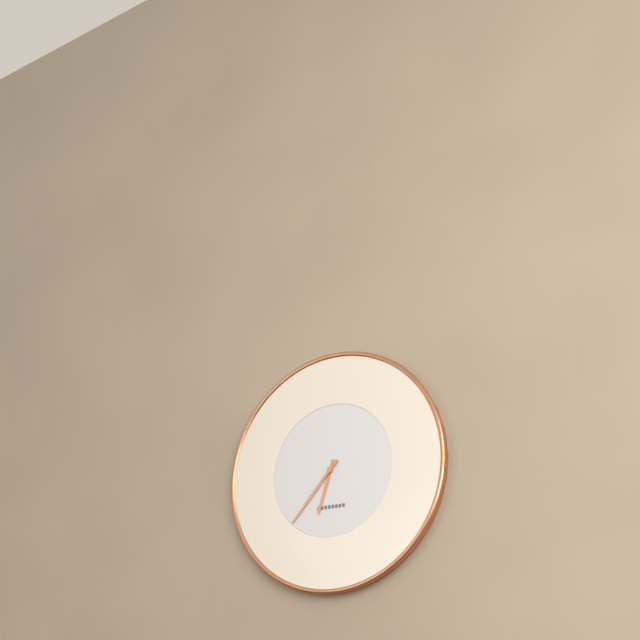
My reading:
6h37
